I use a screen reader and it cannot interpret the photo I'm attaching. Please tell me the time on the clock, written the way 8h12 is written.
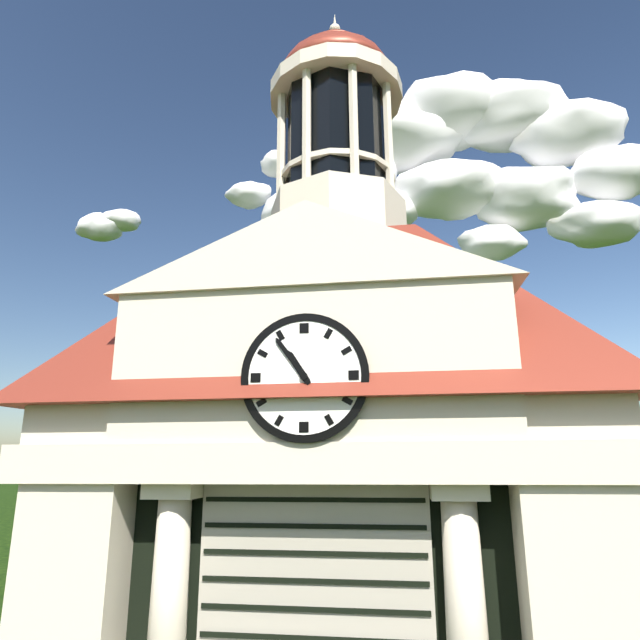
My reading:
10h54
